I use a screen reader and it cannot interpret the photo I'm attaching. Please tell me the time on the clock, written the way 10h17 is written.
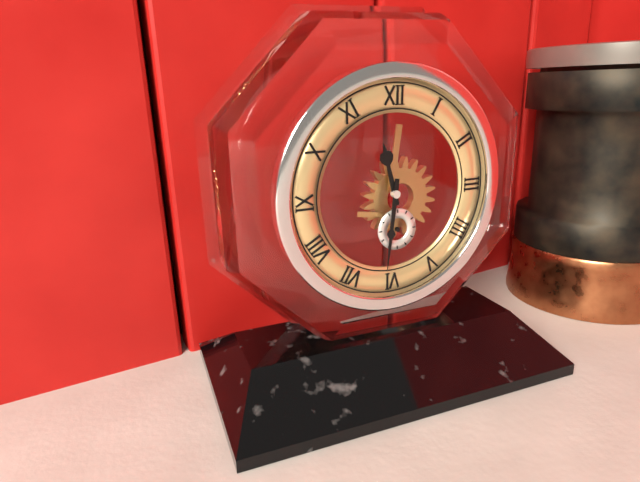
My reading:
11h31
